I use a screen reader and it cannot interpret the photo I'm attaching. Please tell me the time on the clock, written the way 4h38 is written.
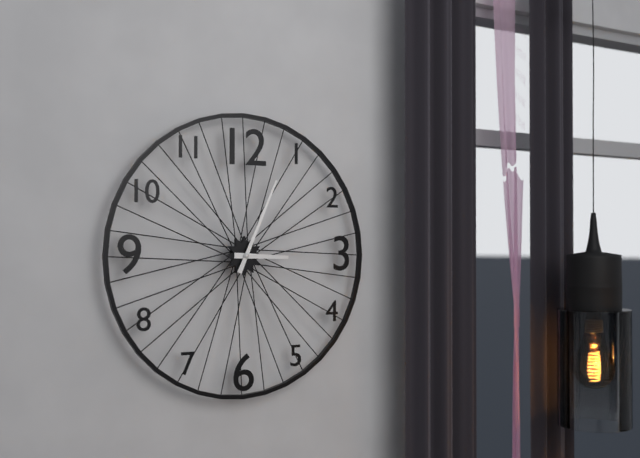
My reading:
3h04
